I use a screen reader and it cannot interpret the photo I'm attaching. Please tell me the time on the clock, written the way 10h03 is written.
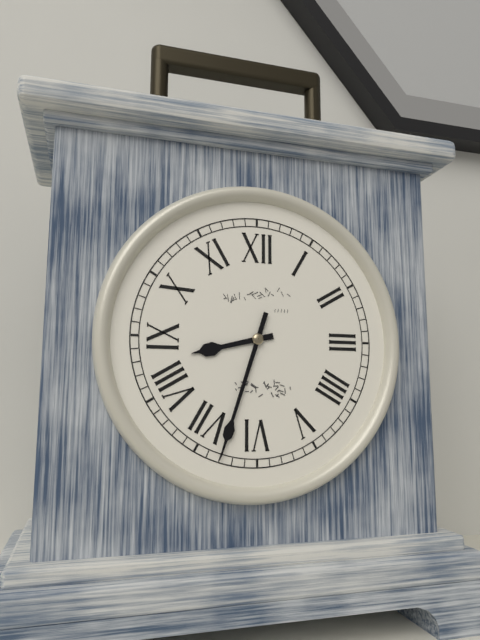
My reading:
8h33
